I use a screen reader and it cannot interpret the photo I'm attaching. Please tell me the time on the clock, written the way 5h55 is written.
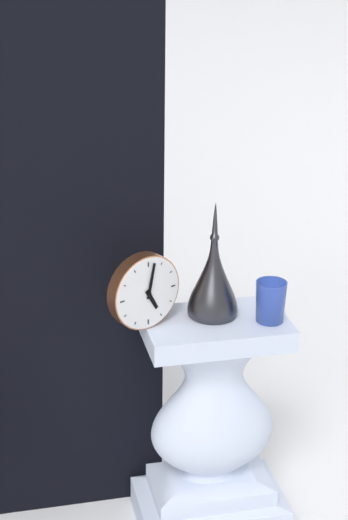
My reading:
5h02
